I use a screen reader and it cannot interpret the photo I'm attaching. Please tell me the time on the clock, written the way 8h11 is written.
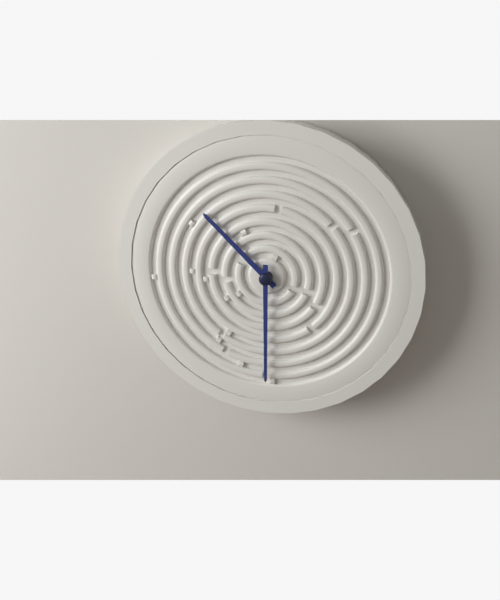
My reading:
10h30
